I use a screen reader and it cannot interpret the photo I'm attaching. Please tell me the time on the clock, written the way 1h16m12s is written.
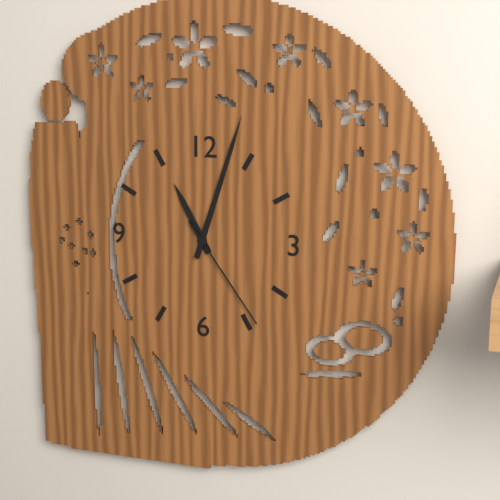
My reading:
11h03m24s
